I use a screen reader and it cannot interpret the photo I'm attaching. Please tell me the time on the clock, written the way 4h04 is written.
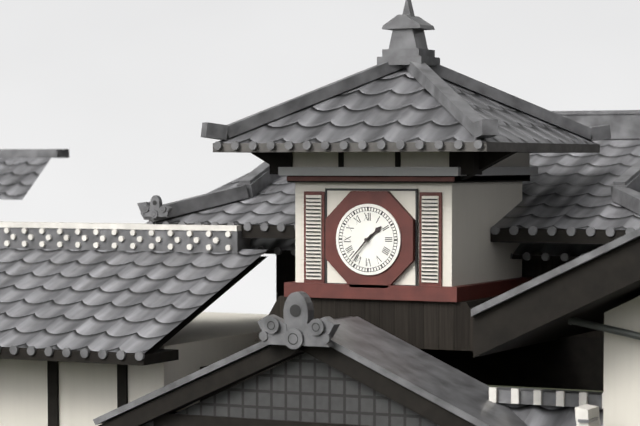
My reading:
1h37
